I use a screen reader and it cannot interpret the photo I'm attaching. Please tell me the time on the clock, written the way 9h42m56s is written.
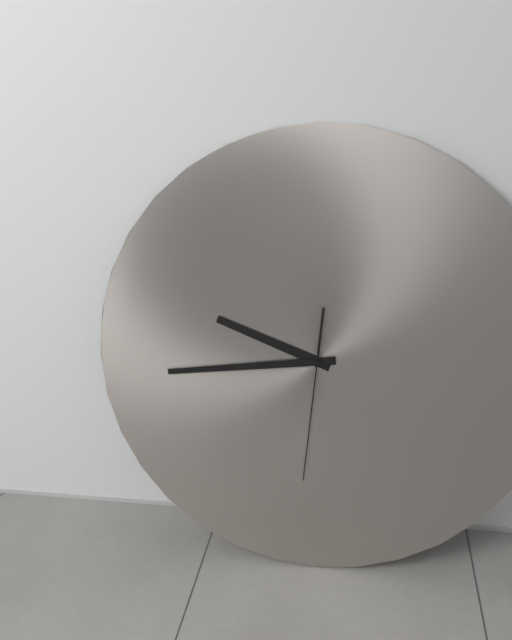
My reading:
9h44m31s
